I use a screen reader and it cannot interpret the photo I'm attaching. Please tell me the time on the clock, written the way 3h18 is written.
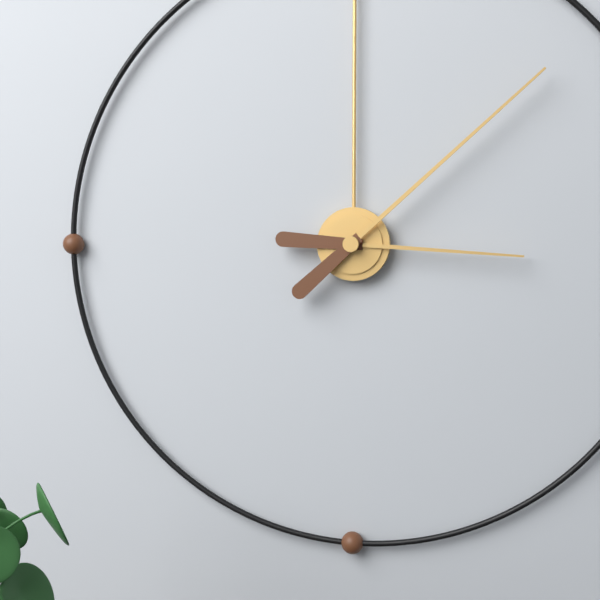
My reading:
3h08
